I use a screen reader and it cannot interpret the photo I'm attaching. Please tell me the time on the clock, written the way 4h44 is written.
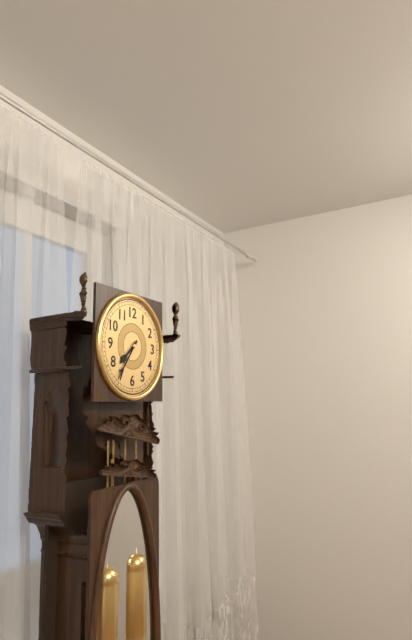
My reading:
7h36
